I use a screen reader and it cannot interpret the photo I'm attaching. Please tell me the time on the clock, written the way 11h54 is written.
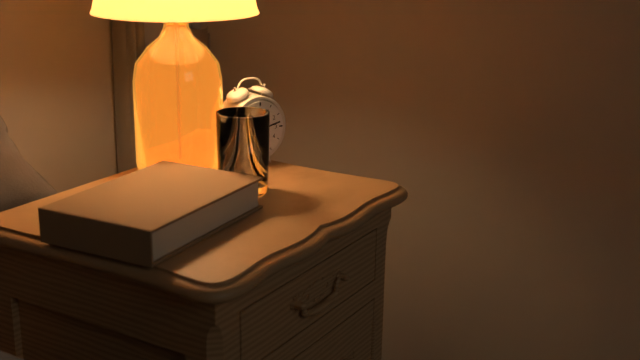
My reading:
1h13
